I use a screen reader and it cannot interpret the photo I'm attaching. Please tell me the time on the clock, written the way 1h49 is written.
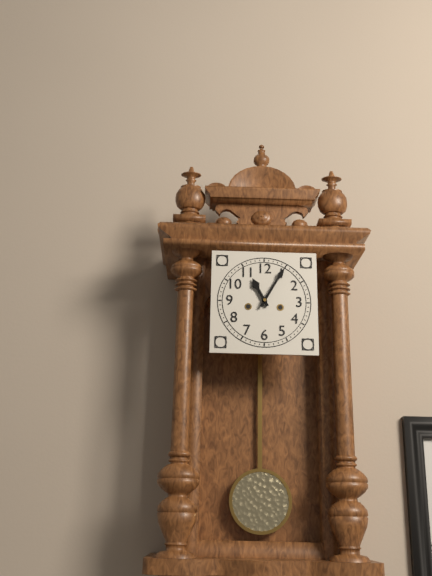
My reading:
11h05
